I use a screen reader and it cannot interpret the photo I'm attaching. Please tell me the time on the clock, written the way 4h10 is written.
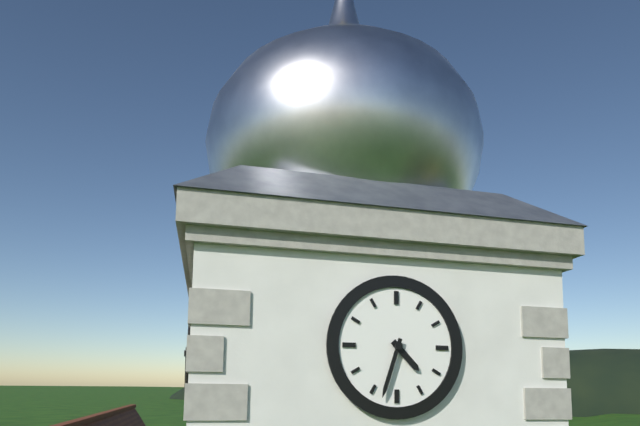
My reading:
4h33
